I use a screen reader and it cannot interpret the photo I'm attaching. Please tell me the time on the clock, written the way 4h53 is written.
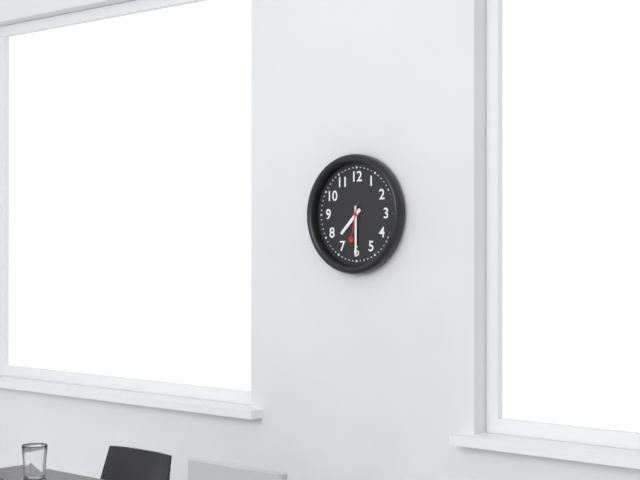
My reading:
7h30
